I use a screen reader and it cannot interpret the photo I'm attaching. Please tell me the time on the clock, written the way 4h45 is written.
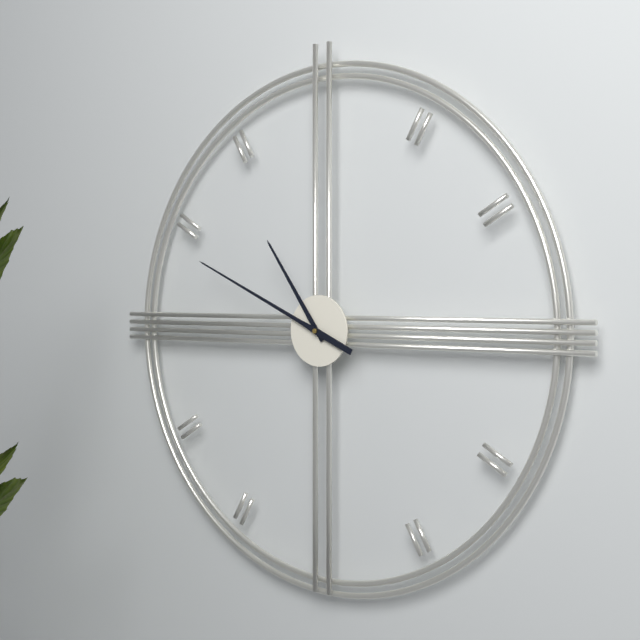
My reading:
10h49
